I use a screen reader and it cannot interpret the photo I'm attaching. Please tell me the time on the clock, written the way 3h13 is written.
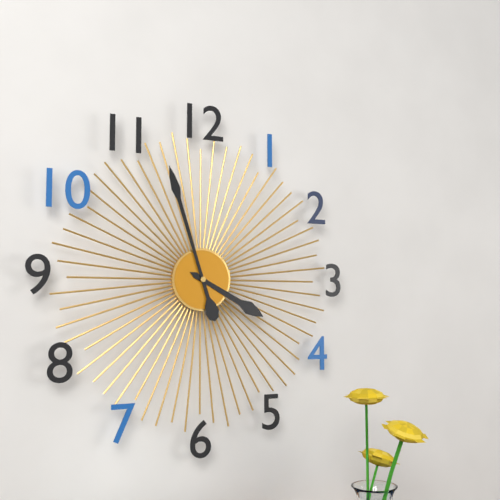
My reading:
3h57
